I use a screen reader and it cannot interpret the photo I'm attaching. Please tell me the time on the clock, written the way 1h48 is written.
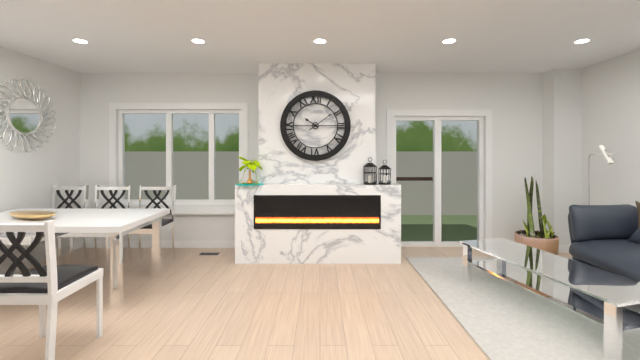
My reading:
10h09
